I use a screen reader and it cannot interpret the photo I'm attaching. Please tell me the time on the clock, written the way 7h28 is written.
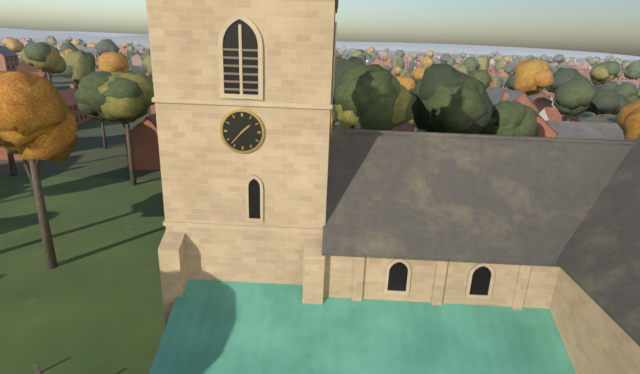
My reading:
1h37
